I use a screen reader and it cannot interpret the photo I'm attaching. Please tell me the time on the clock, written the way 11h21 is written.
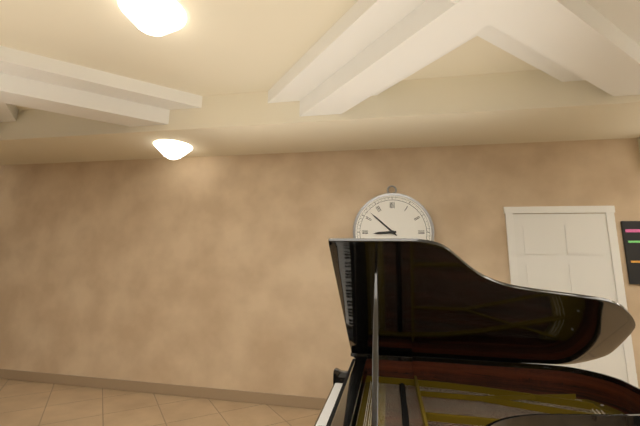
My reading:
8h52
